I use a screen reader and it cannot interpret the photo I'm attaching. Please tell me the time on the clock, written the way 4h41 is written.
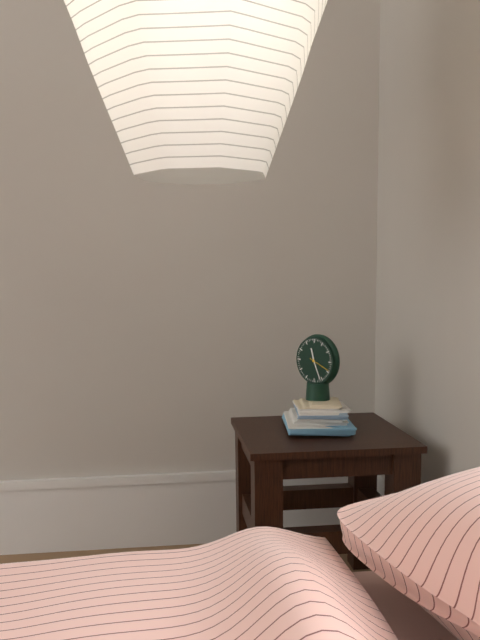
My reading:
11h26
